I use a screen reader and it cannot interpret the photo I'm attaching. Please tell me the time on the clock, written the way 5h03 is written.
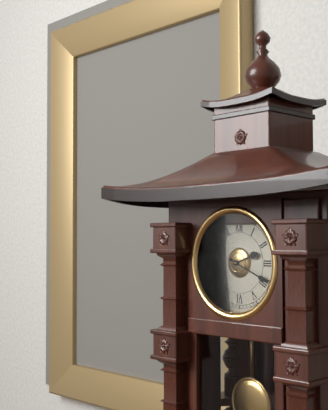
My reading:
2h19
